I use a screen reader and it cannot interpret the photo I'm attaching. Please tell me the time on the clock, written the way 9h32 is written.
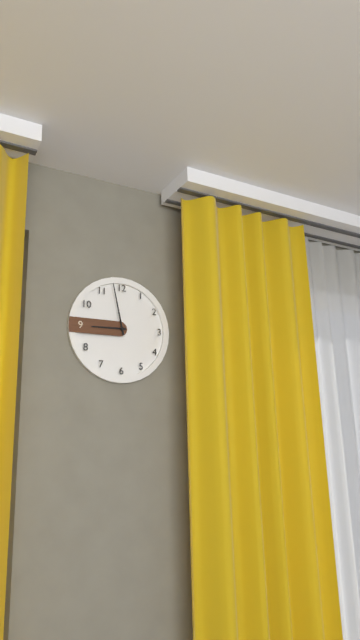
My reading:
8h58
